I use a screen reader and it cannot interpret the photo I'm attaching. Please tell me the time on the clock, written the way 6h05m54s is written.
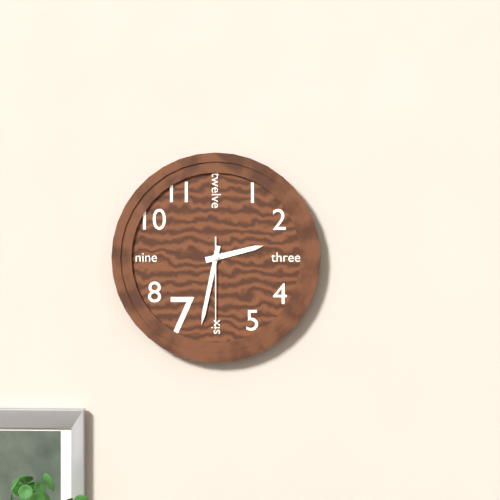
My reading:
2h32m30s
